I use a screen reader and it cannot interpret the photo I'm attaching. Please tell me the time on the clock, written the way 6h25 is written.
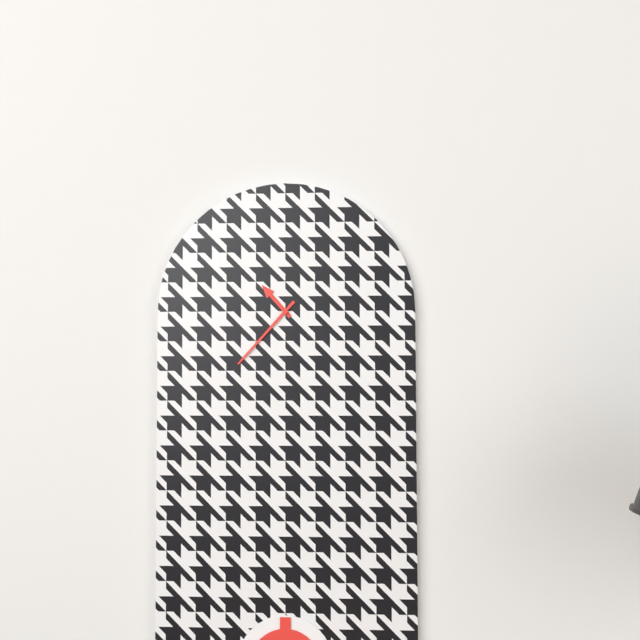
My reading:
10h37
